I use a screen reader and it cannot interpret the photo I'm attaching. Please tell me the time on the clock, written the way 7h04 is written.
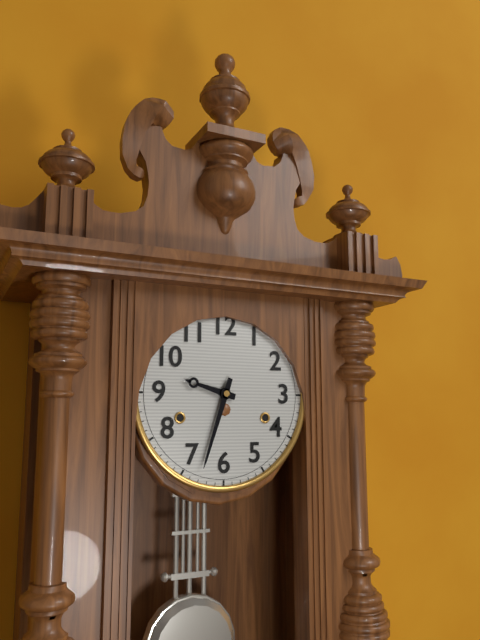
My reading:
9h33
